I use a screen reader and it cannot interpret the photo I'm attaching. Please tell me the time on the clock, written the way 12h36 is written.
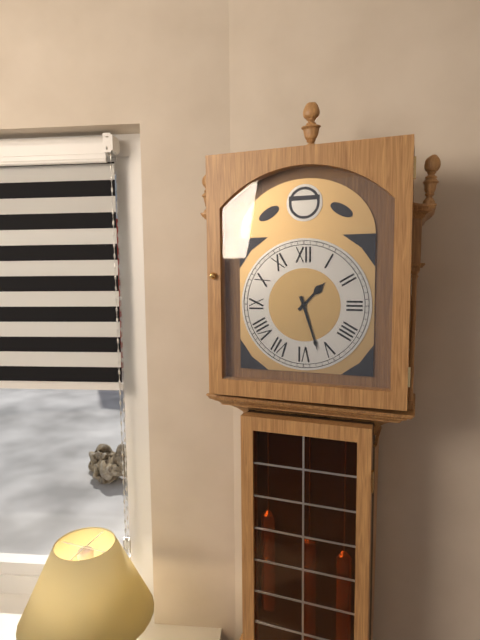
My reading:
1h27
